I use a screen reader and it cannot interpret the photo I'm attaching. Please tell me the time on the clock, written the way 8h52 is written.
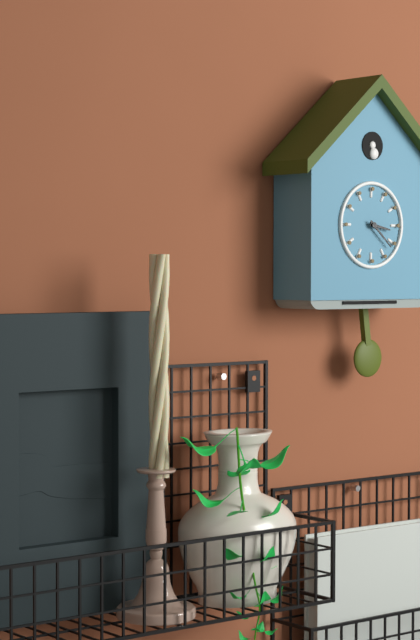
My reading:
3h22
